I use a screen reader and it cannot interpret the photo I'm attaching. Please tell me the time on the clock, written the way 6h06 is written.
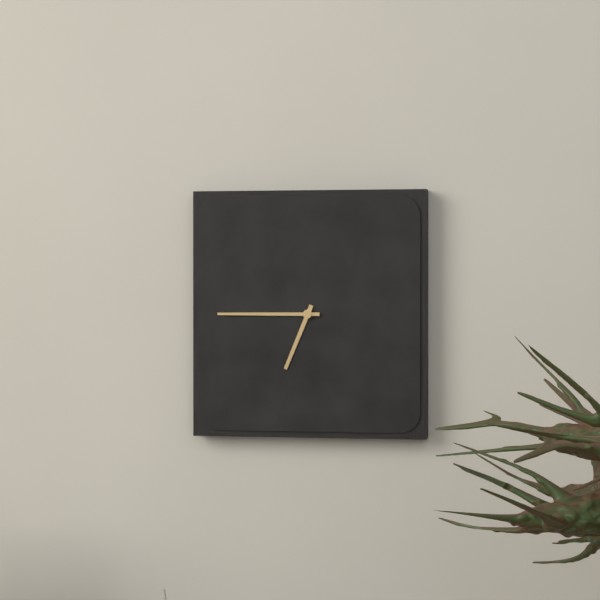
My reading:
6h45
